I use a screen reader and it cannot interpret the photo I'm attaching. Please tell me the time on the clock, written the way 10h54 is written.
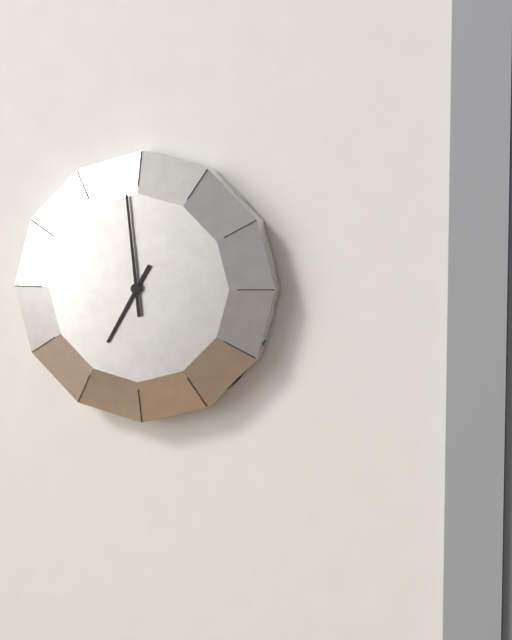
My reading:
6h59
